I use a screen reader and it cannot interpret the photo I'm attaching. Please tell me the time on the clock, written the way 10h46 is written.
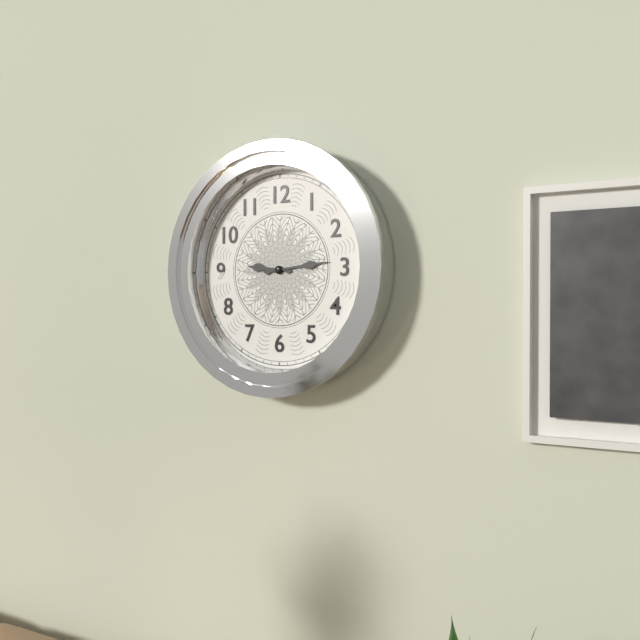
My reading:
9h14
